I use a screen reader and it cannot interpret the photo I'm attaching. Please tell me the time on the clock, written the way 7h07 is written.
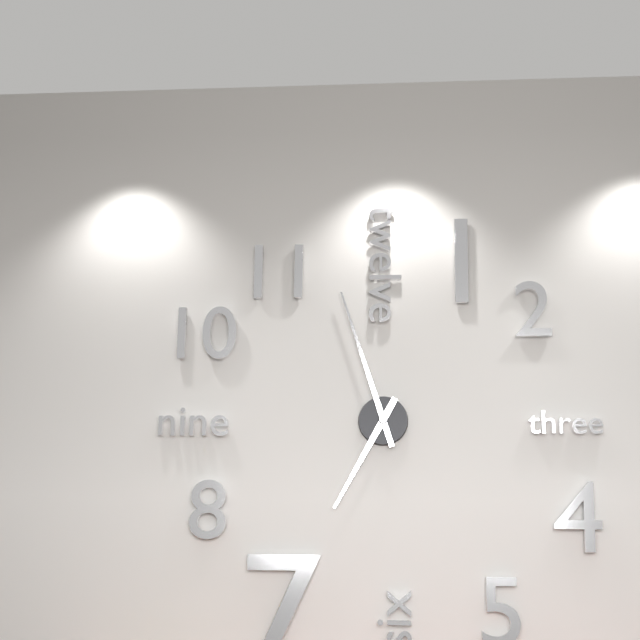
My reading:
6h57
